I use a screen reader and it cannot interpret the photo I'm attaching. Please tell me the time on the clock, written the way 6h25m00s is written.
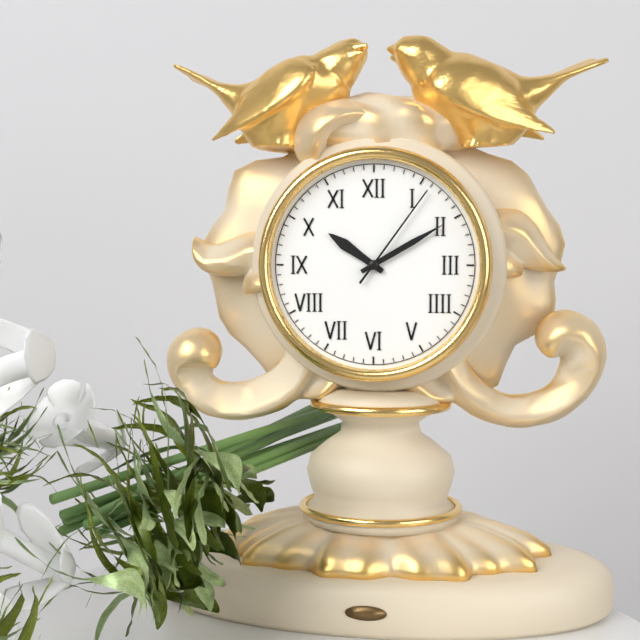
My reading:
10h10m06s
